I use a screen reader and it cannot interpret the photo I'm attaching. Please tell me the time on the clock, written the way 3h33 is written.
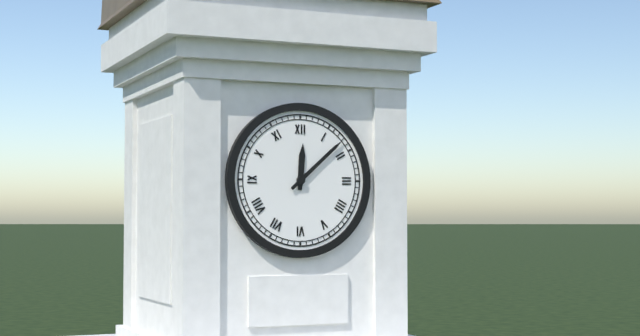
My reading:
12h08
